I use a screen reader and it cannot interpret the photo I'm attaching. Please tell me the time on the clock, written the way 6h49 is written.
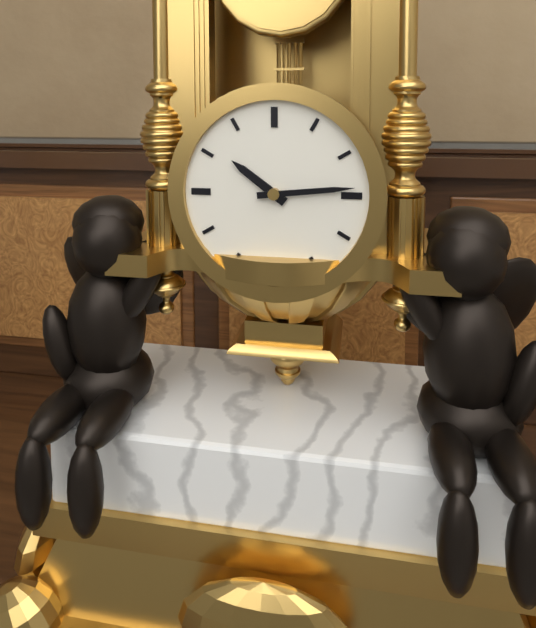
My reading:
10h14
